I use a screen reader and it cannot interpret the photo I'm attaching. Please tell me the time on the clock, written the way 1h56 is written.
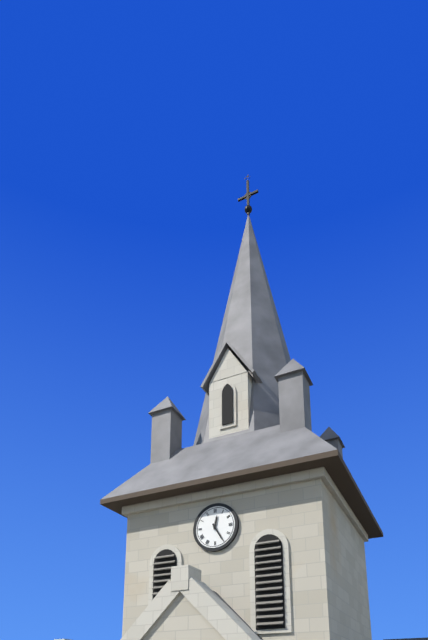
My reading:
12h25
